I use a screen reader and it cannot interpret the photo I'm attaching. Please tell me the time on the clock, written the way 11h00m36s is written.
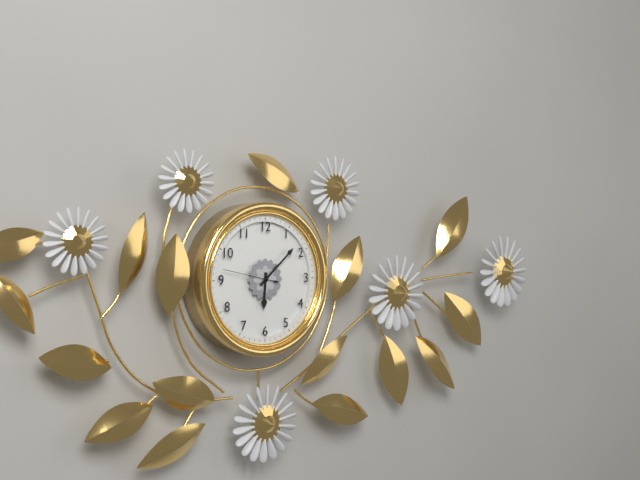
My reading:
6h08m47s
